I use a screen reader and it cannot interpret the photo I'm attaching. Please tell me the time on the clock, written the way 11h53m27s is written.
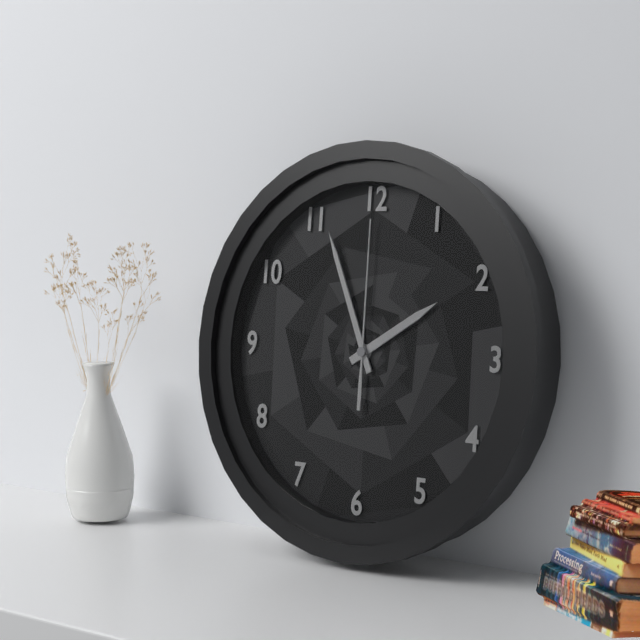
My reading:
1h56m00s
